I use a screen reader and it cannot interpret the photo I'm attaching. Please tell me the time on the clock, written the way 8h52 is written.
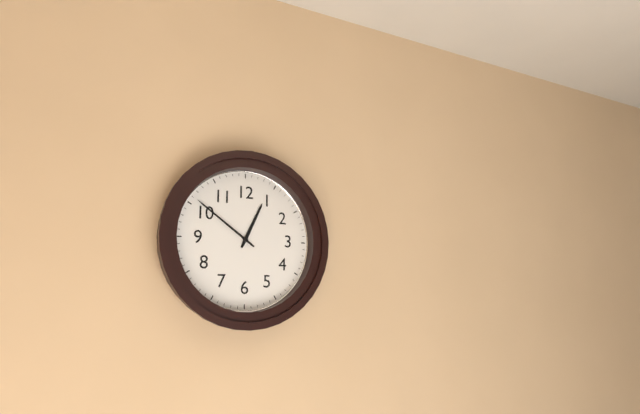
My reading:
12h51
